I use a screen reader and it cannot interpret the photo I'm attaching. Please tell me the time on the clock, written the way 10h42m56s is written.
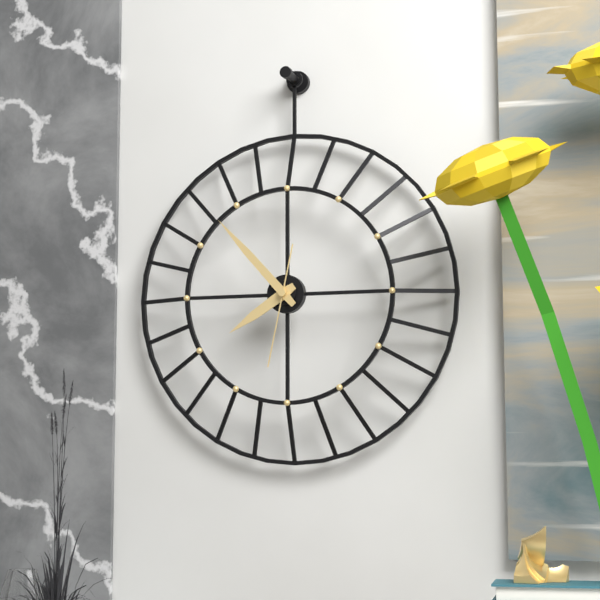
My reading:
7h53m32s
